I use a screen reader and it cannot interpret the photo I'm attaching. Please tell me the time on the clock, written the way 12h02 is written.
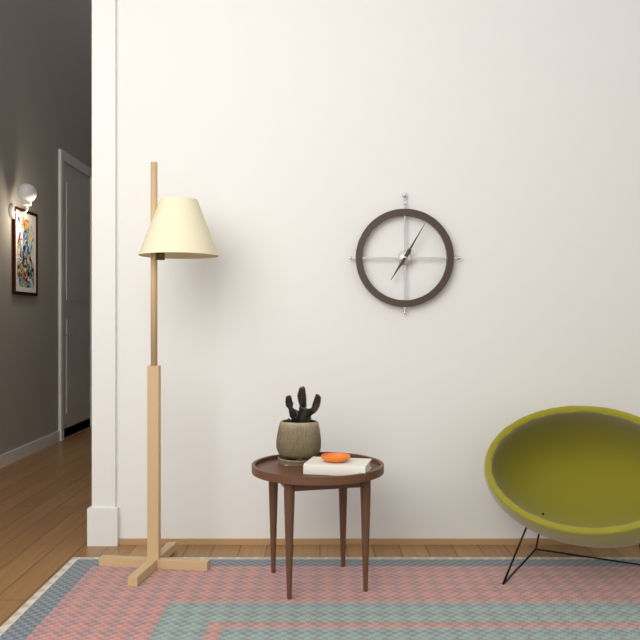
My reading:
7h05
